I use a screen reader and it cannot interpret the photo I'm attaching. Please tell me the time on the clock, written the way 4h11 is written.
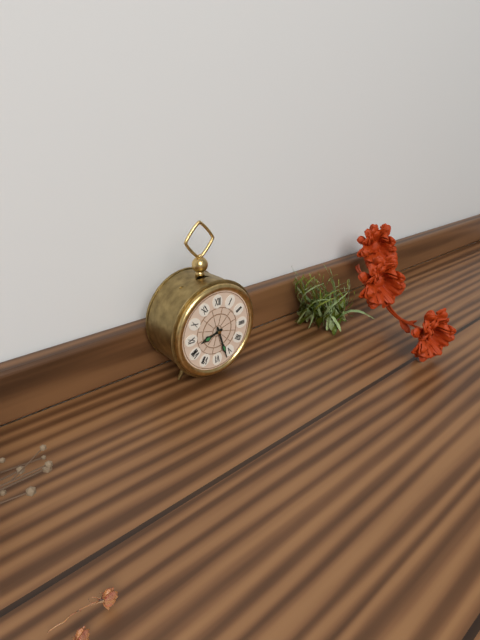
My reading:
8h27
